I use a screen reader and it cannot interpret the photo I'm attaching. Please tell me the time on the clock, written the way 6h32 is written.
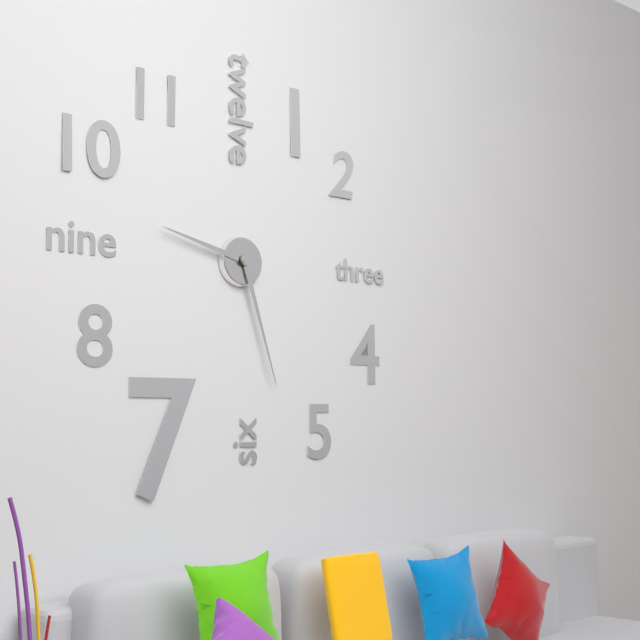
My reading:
9h27
